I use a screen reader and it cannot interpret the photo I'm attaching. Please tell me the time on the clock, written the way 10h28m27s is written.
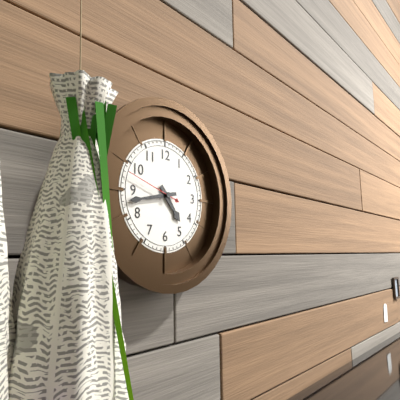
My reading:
4h43m48s
